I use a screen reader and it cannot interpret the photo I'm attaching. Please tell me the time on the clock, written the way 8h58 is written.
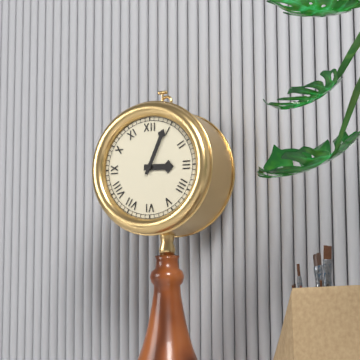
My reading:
3h04
